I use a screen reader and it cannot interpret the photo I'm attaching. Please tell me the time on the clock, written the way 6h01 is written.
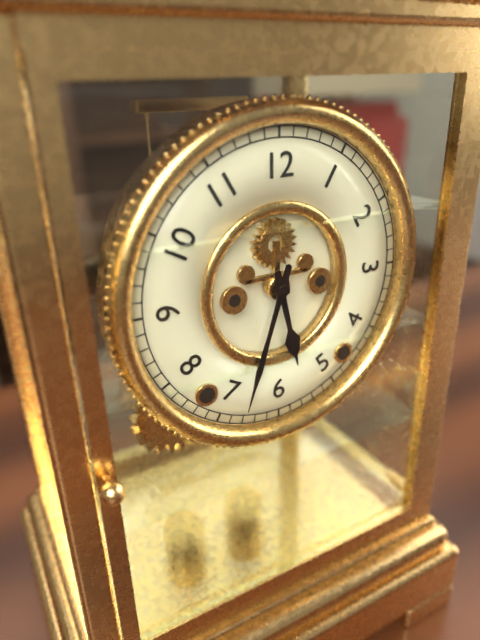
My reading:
5h33
